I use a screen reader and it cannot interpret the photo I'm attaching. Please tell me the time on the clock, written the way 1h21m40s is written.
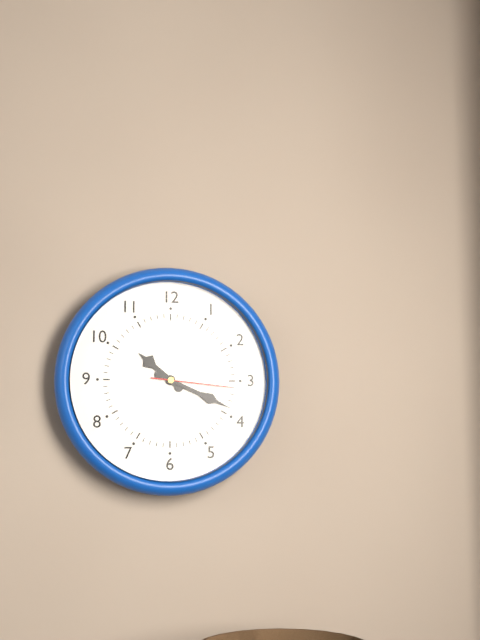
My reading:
10h19m16s
